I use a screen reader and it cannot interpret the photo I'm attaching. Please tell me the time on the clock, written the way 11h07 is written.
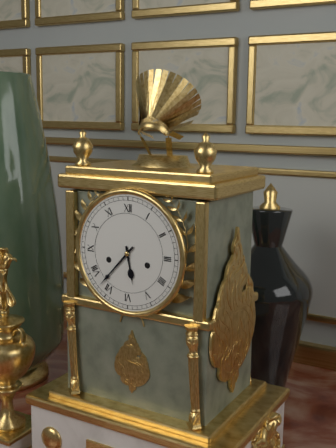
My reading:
5h37
